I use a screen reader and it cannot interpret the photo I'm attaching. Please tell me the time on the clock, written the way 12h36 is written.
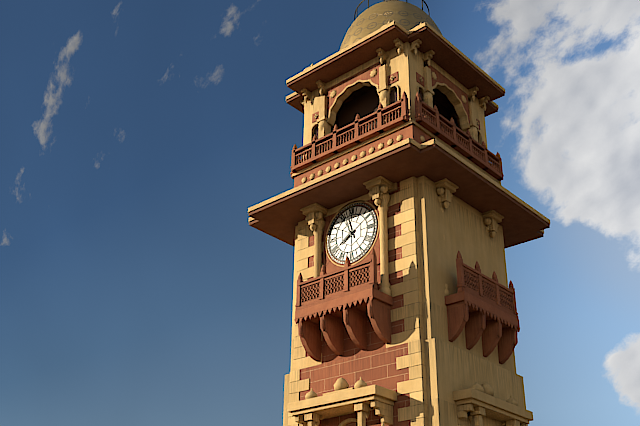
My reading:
7h57
